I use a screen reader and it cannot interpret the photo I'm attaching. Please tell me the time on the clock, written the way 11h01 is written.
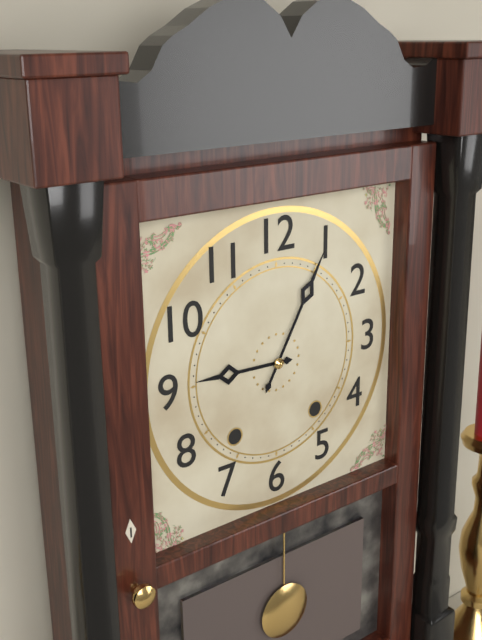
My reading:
9h05
